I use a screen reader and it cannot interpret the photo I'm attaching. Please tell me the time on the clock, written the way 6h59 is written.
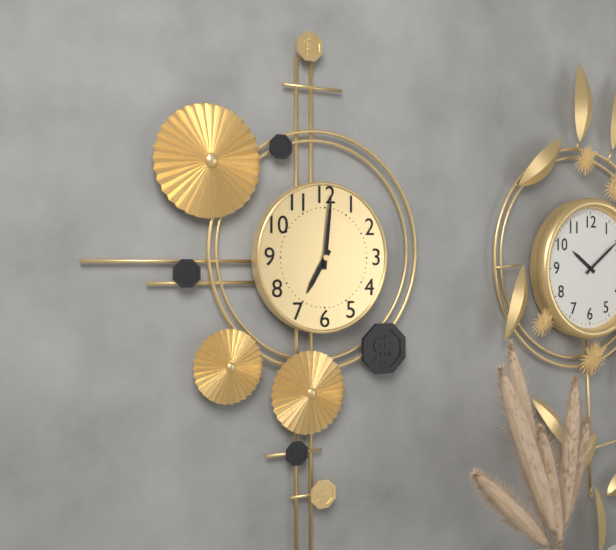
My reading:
7h01
